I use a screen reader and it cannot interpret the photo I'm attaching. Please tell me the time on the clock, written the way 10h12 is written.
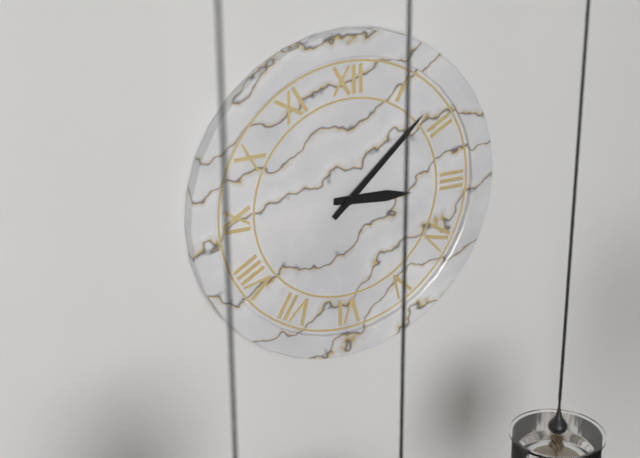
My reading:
3h08
